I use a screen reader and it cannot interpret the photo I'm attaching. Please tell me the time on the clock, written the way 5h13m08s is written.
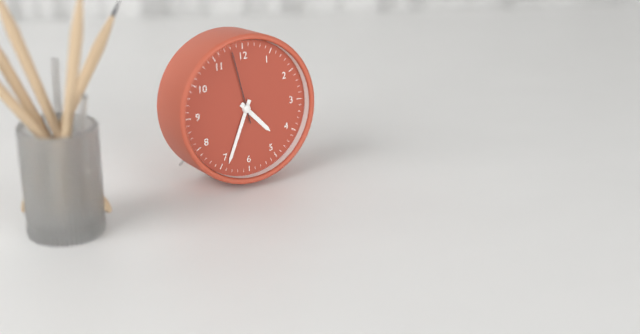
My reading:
4h34m58s
